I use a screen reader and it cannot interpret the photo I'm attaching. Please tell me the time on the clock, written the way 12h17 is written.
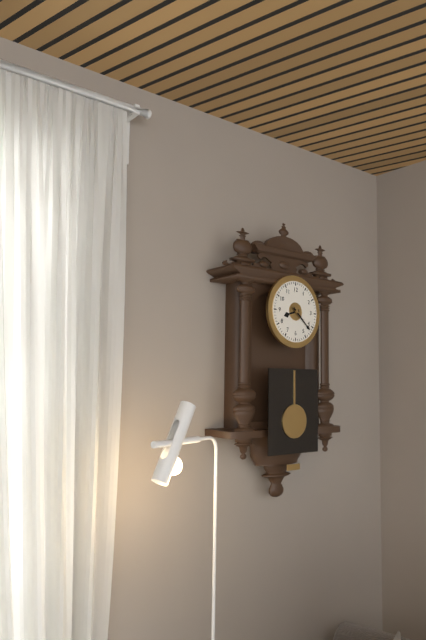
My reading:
8h22
